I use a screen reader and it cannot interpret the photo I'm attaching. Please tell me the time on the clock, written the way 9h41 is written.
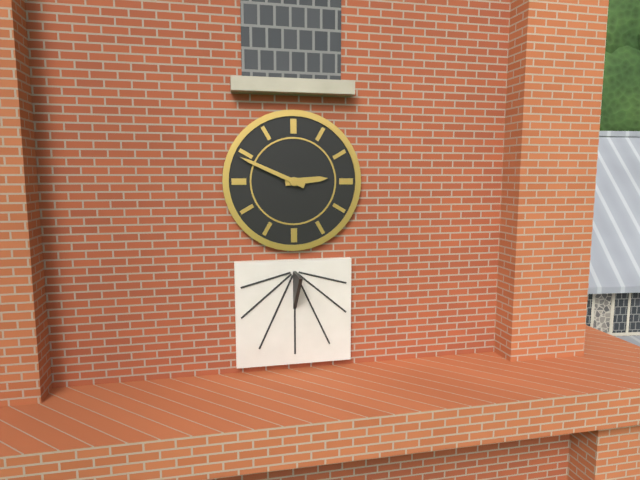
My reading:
2h49
